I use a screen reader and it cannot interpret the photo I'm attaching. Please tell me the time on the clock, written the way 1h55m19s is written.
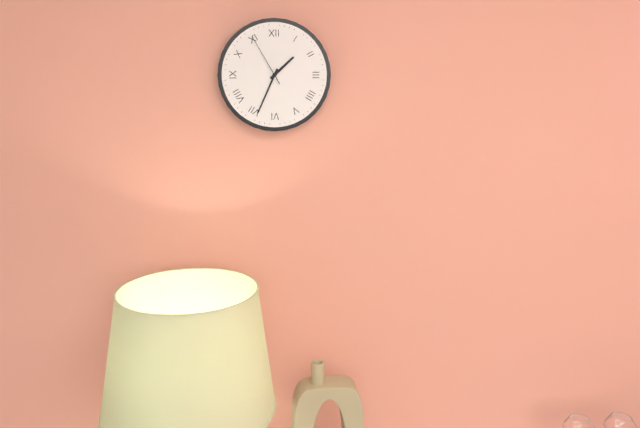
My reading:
1h34m55s
